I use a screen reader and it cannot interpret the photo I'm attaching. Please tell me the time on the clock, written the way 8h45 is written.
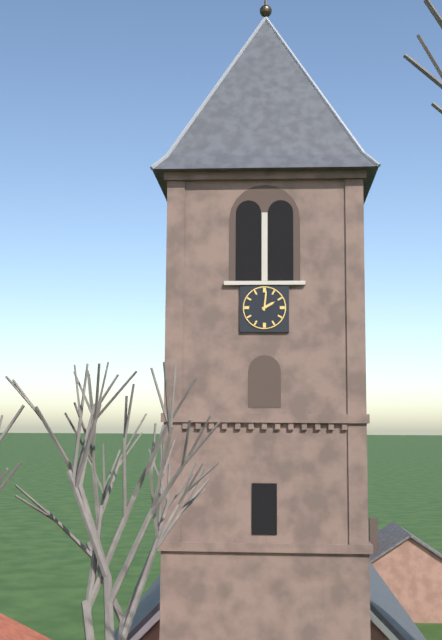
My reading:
2h01
